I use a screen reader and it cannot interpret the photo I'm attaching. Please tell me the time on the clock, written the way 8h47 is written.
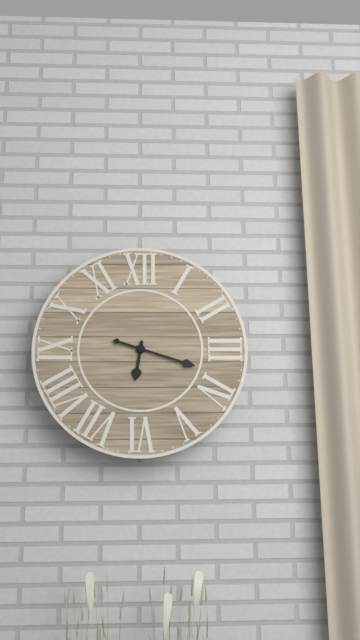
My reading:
6h18
